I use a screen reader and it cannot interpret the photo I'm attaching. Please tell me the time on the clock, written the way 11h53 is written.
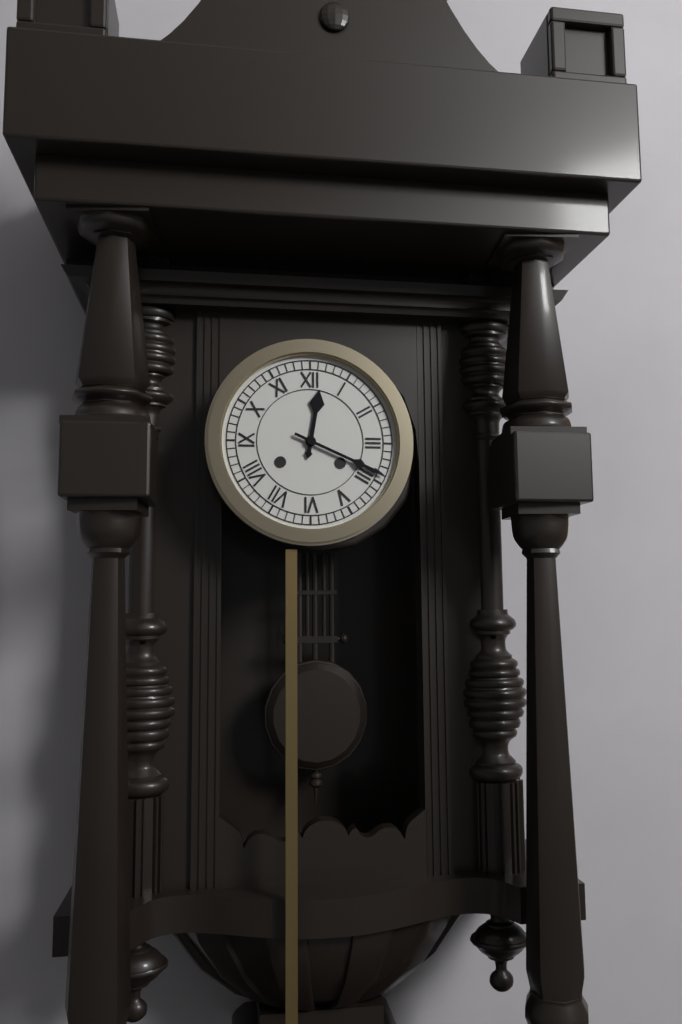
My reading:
12h19
